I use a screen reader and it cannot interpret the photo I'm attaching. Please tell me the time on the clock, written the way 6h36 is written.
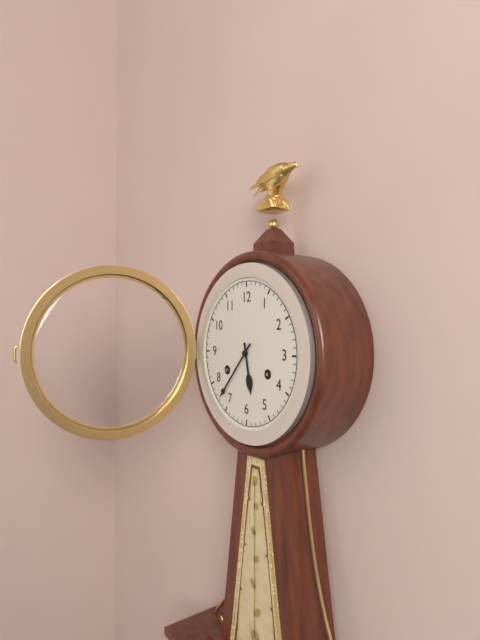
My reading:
5h37
